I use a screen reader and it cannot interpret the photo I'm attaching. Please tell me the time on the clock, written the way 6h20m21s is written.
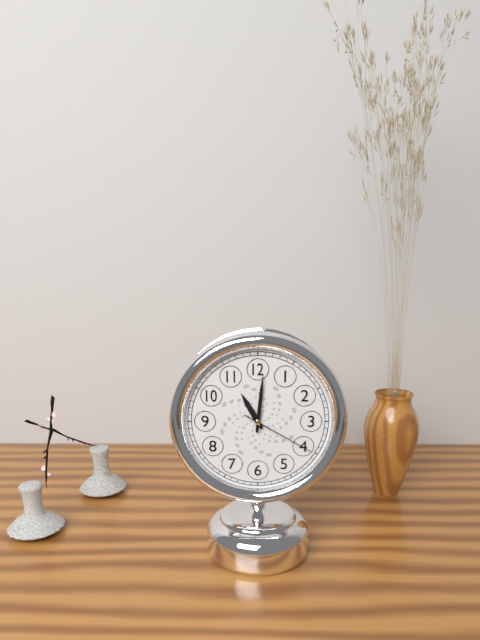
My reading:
11h01m20s
